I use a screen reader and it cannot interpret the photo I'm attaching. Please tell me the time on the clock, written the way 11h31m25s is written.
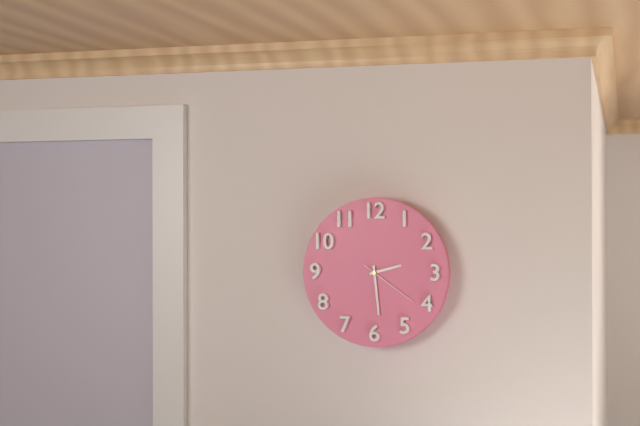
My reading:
2h29m21s
